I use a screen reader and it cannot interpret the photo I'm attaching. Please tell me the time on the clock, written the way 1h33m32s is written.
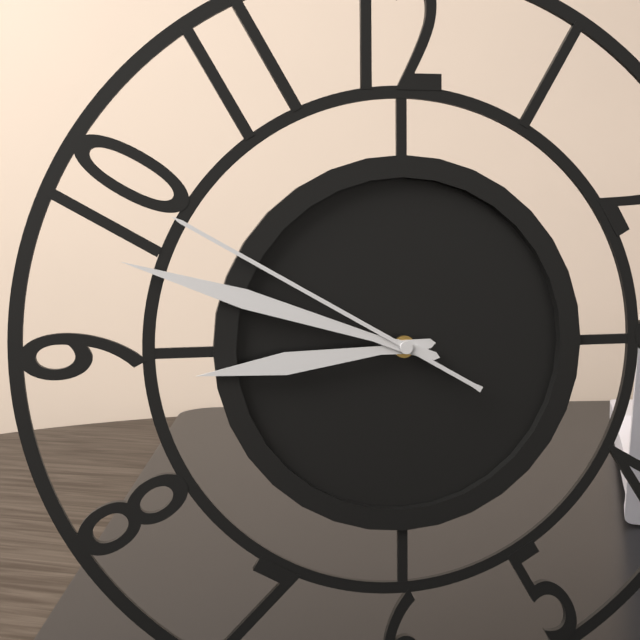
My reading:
8h48m50s
